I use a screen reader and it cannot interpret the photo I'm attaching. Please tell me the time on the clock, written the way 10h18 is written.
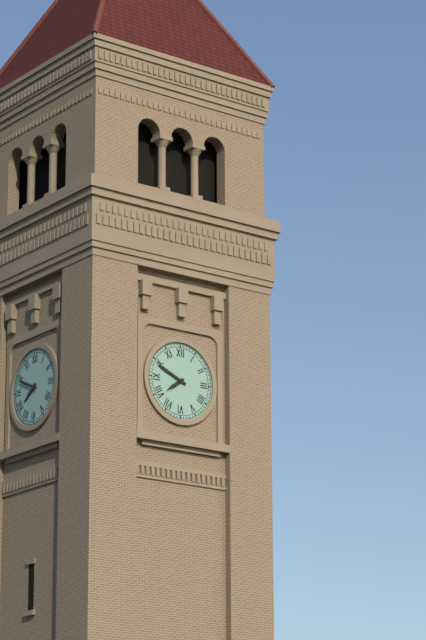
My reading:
7h49
